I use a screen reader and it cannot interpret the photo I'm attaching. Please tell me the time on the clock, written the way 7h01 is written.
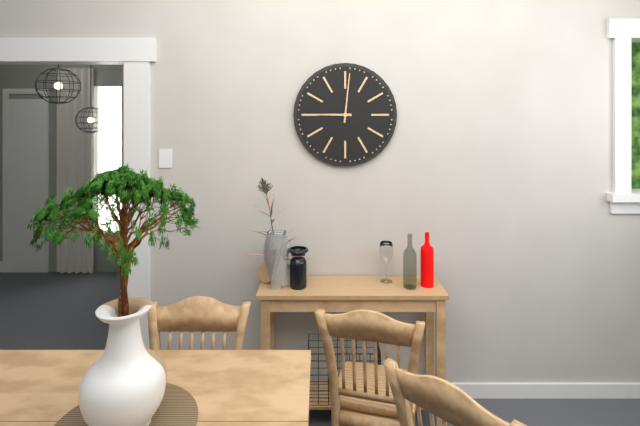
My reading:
9h01
